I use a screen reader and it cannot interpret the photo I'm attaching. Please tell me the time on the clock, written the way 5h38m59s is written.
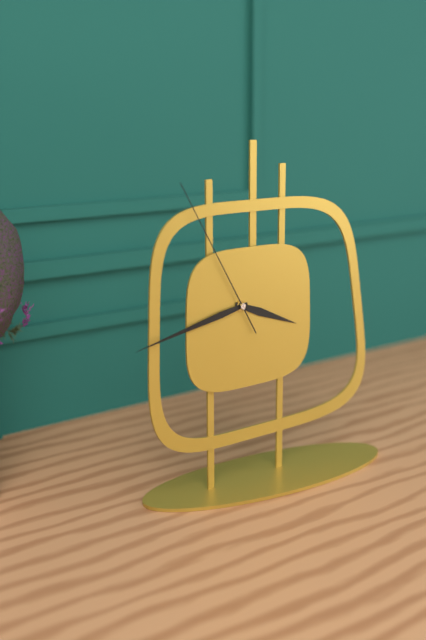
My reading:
3h43m55s
